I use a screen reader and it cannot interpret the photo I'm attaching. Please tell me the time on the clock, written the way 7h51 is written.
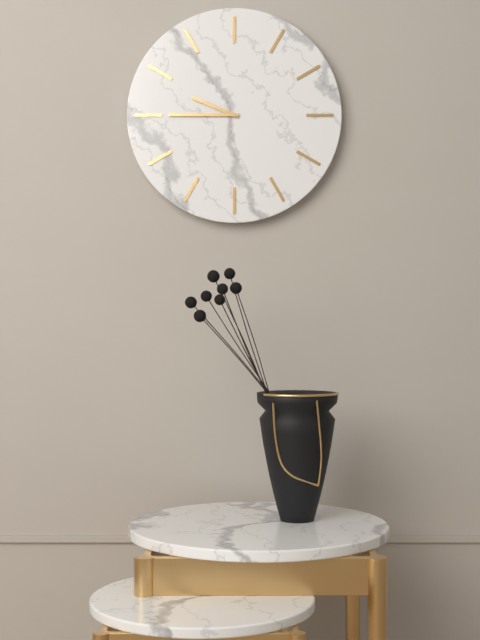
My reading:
9h45
